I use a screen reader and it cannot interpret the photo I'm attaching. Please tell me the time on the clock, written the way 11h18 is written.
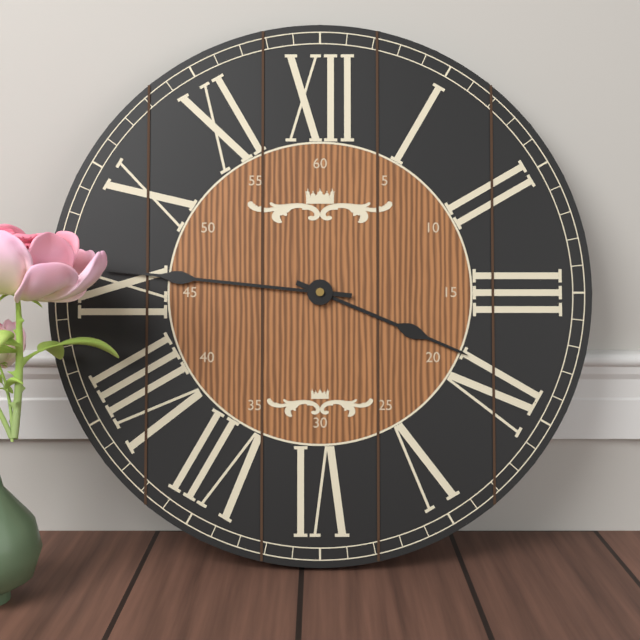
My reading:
3h46
